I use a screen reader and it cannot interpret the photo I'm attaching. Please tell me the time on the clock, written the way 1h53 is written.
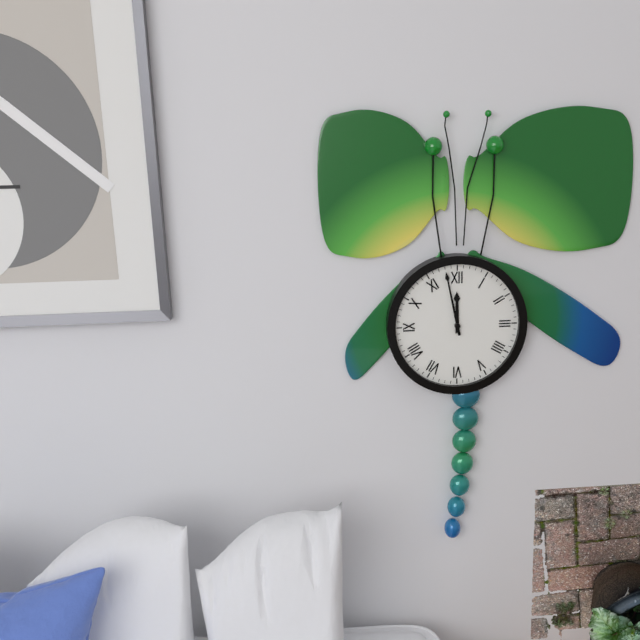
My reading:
11h58
